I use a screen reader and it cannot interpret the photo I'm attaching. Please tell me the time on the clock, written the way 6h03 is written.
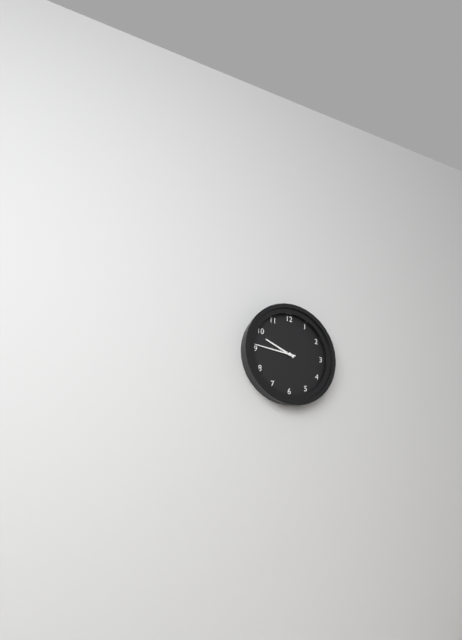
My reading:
9h46
